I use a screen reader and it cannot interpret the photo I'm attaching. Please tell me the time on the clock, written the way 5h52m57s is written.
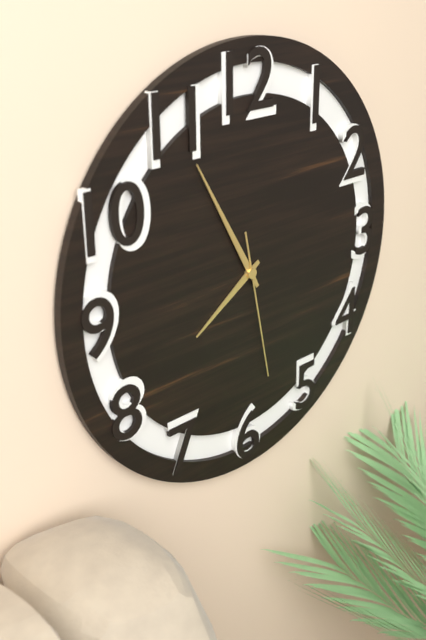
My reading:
7h55m28s
